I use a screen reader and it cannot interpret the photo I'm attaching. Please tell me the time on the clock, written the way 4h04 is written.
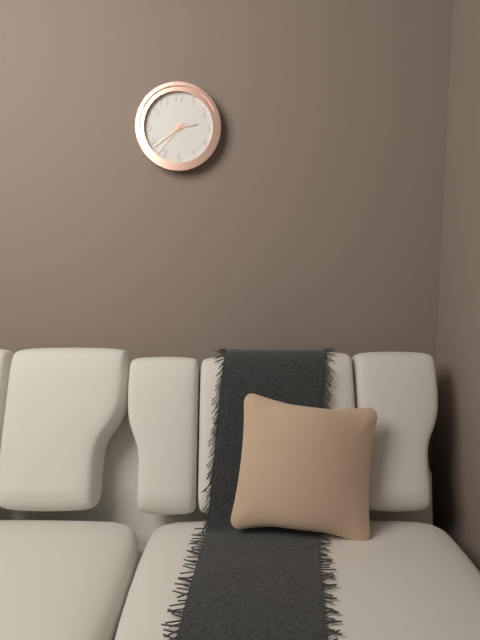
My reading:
2h39
